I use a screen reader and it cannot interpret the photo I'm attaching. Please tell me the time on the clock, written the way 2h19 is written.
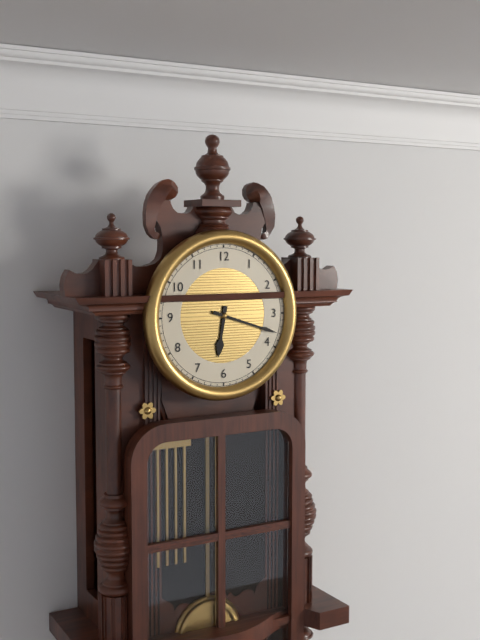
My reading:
6h18
